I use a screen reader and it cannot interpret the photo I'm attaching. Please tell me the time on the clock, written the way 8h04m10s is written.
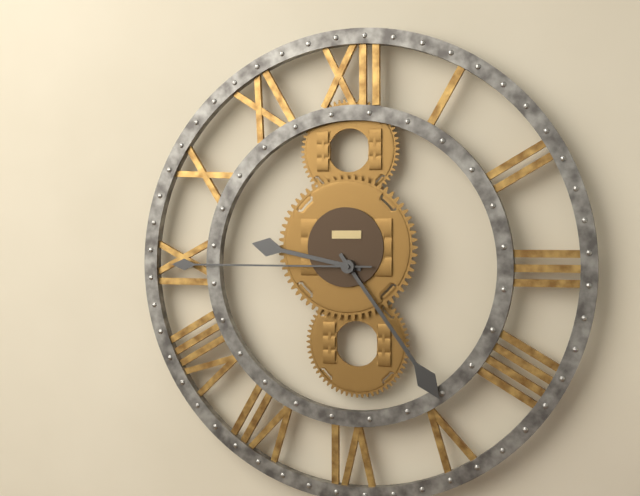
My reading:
9h24m45s
